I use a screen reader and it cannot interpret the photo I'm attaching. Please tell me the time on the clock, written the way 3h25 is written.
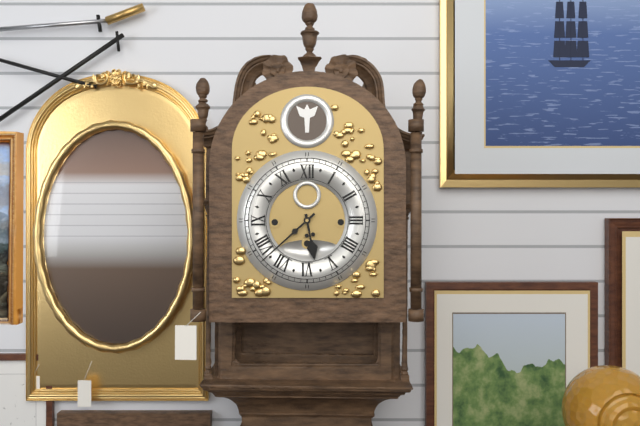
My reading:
5h38
